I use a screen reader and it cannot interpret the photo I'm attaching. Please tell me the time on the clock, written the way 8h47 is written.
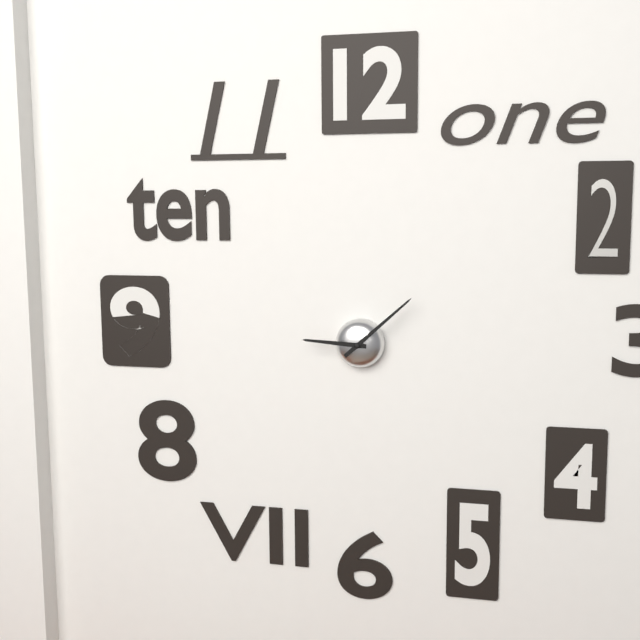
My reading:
9h08
